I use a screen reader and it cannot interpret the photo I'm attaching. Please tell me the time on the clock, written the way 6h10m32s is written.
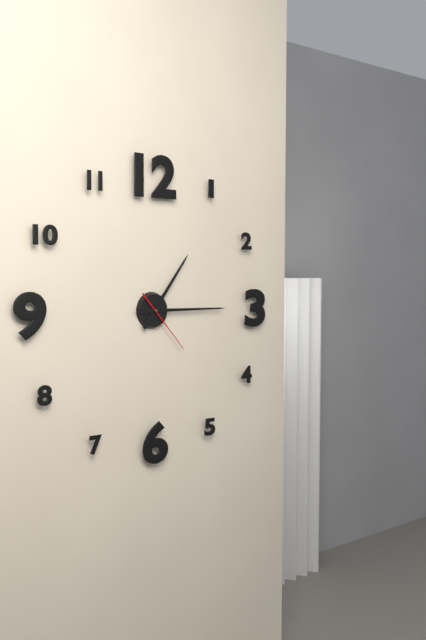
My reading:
1h15m23s
